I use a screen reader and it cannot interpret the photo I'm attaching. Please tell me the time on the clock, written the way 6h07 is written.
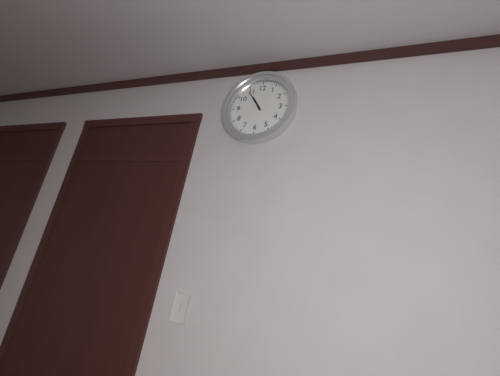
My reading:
10h54
